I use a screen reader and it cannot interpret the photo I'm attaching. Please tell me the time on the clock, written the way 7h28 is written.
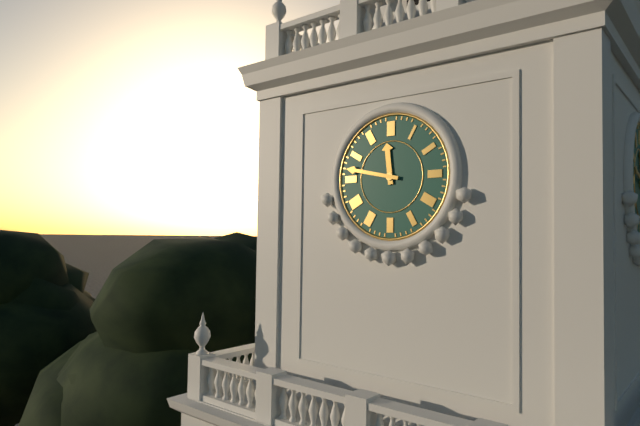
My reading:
11h47
